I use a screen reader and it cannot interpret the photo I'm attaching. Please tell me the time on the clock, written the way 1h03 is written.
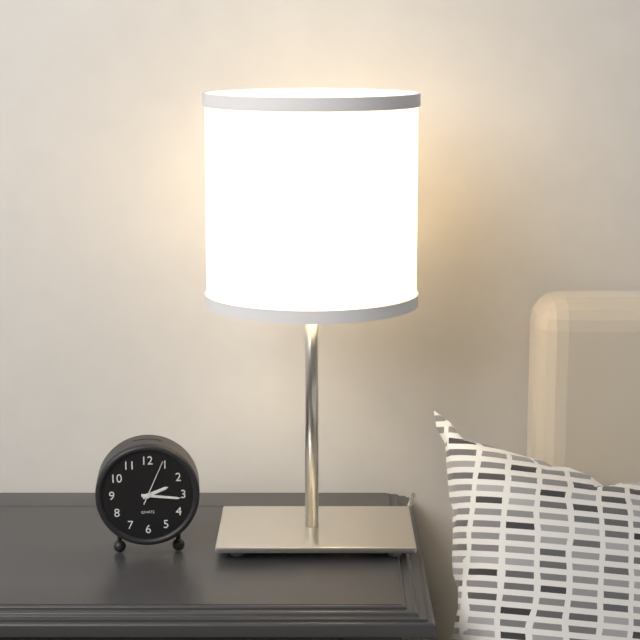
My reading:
2h16
